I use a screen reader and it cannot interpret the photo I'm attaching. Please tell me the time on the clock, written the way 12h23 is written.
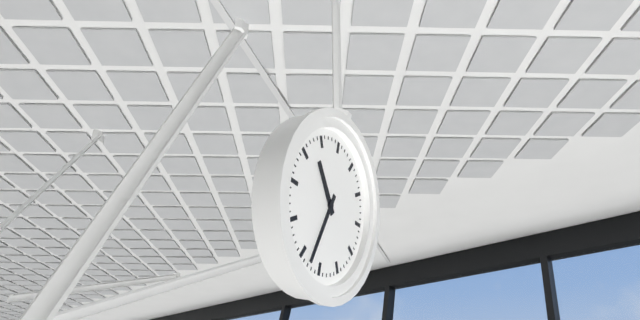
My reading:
10h33
